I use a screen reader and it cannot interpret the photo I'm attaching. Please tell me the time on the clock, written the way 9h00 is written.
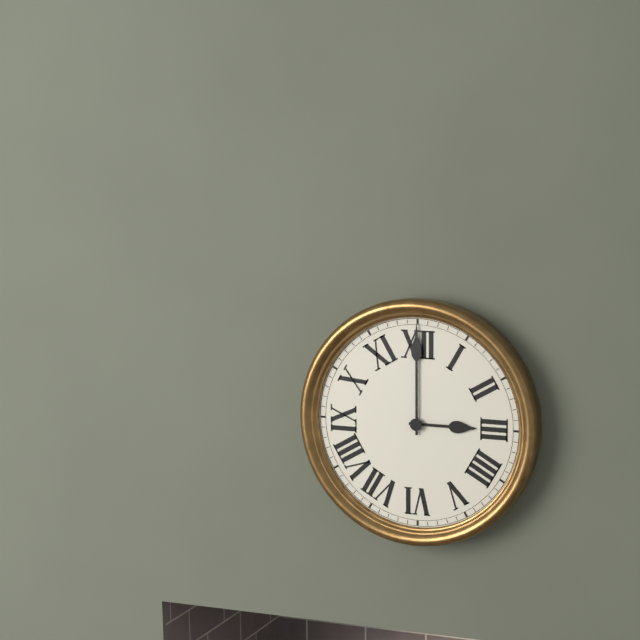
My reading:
3h00
